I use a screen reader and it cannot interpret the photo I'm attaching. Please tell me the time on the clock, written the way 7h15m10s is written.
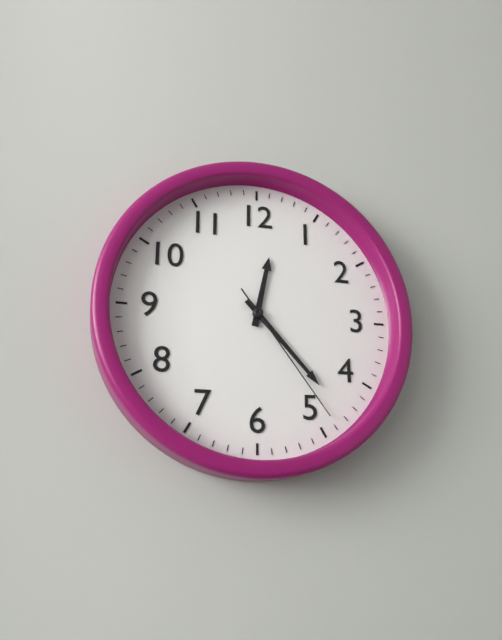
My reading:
12h23m24s
